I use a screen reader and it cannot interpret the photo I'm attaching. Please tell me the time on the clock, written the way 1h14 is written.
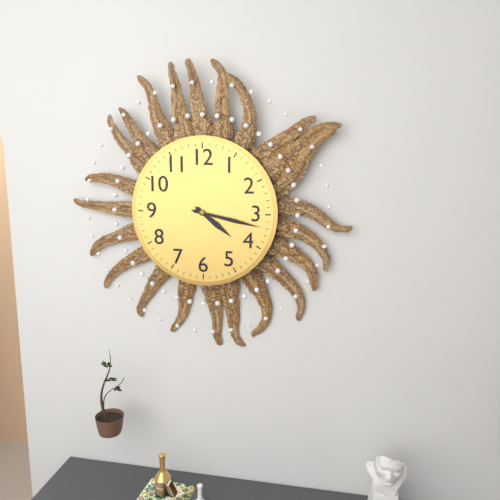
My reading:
4h17
